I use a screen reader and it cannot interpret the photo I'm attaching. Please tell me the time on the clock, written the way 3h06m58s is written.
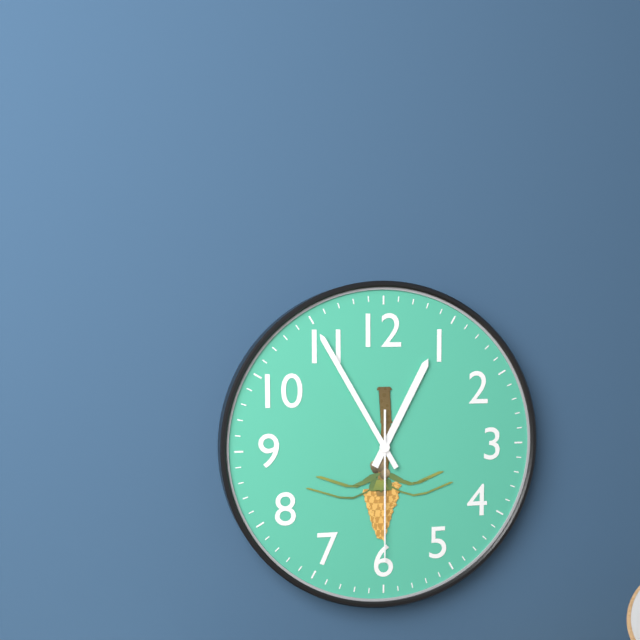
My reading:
12h55m30s
